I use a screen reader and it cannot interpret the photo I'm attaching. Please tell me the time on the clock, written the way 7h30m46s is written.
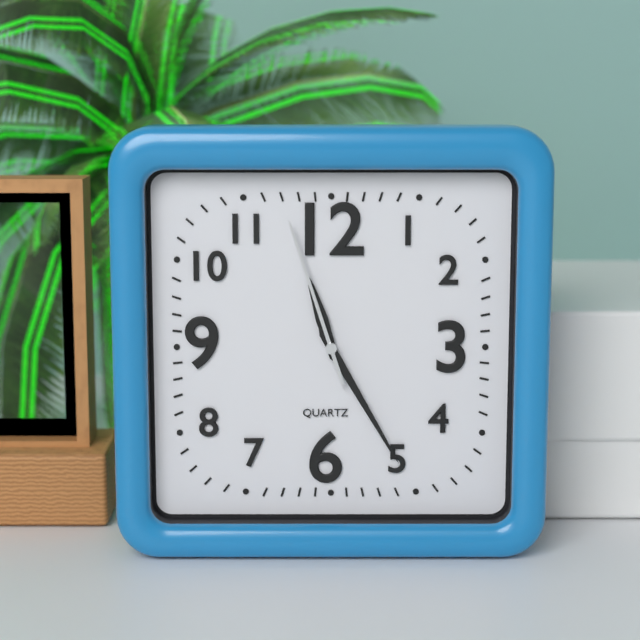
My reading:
11h25m57s
